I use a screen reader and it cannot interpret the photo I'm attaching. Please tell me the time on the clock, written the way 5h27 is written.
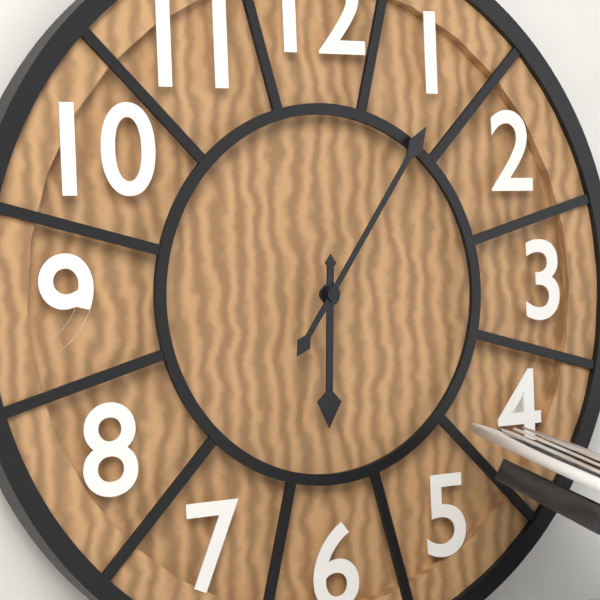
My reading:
6h06
